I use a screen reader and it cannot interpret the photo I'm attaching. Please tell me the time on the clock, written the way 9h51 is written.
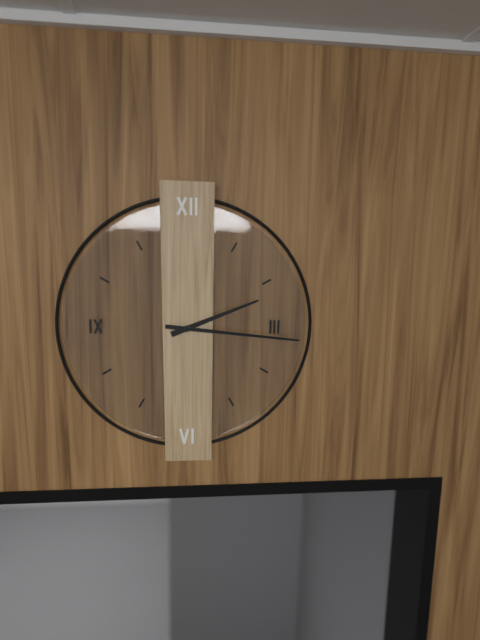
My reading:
2h16
